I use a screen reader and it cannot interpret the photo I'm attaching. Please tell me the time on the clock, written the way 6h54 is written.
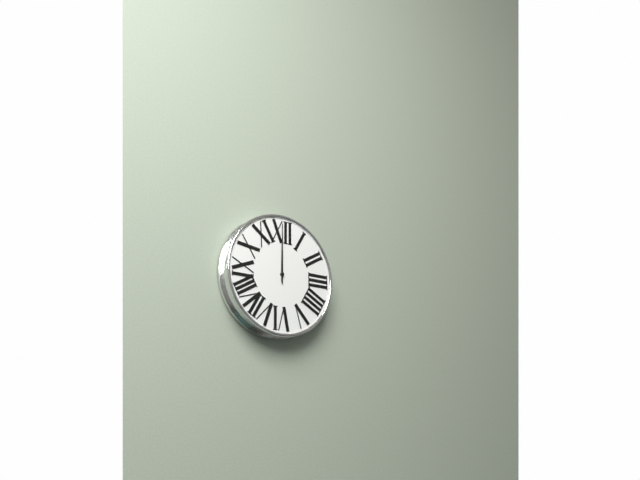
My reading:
12h00
